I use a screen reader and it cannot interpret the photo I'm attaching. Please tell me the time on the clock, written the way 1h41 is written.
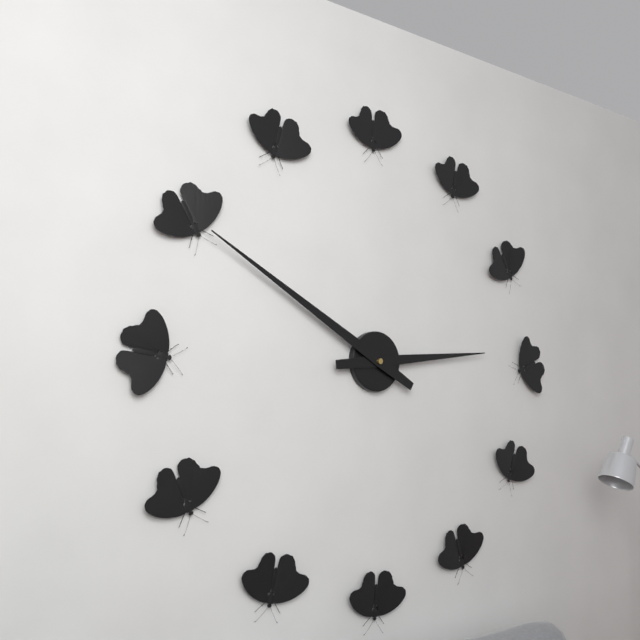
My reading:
2h50
